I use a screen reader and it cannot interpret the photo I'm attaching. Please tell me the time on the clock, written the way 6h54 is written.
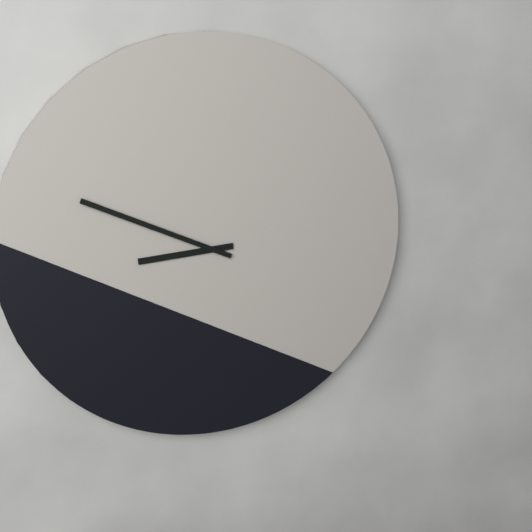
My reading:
8h49
